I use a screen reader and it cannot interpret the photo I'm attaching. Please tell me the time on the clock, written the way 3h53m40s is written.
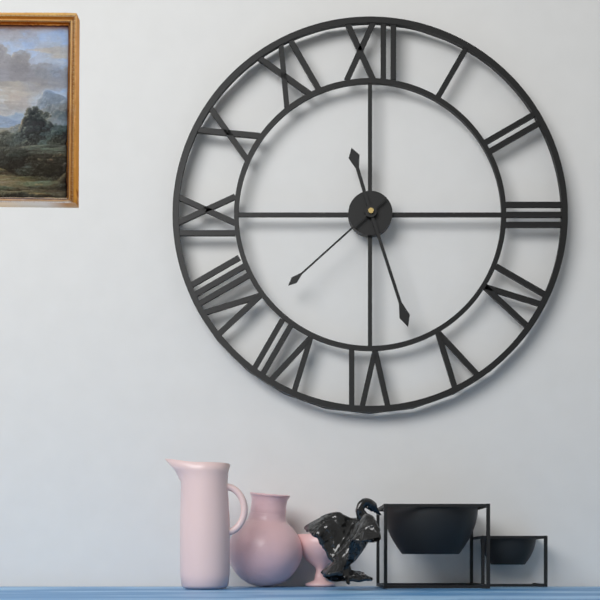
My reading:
11h27m38s
